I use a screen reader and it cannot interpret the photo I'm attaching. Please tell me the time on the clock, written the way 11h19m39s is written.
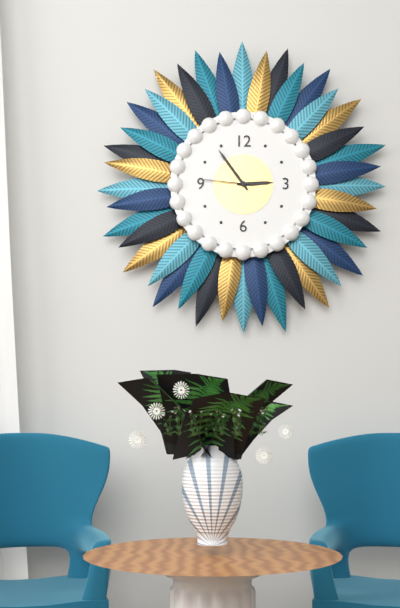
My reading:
2h54m46s
